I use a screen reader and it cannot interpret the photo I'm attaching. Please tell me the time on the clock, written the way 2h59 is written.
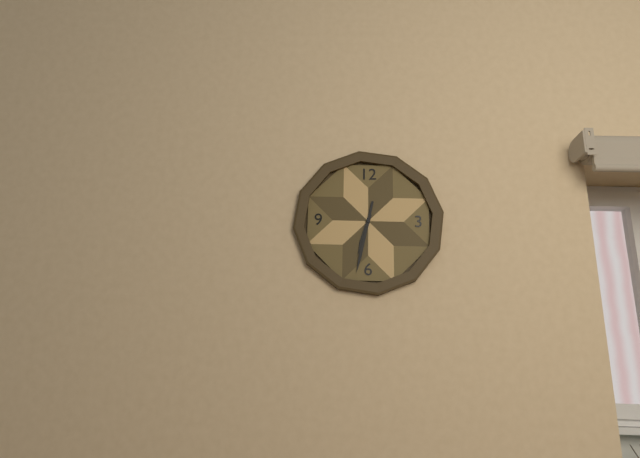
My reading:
6h32
